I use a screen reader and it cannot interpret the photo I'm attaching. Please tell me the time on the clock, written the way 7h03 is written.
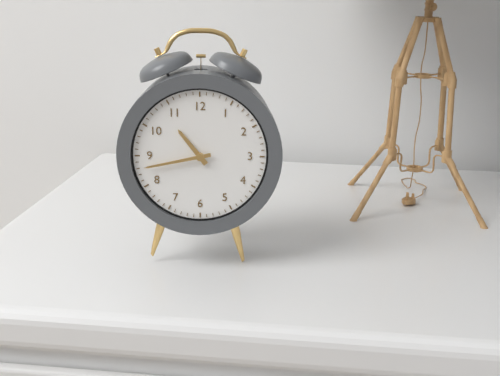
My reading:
10h43
